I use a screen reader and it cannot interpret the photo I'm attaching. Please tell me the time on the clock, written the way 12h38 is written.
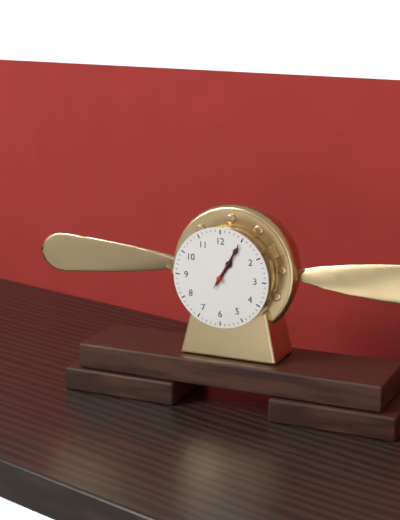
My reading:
1h05
